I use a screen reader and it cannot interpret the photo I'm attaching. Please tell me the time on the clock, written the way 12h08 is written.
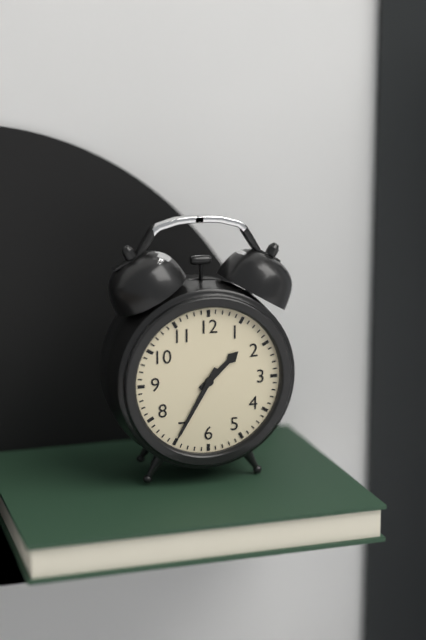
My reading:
1h35
